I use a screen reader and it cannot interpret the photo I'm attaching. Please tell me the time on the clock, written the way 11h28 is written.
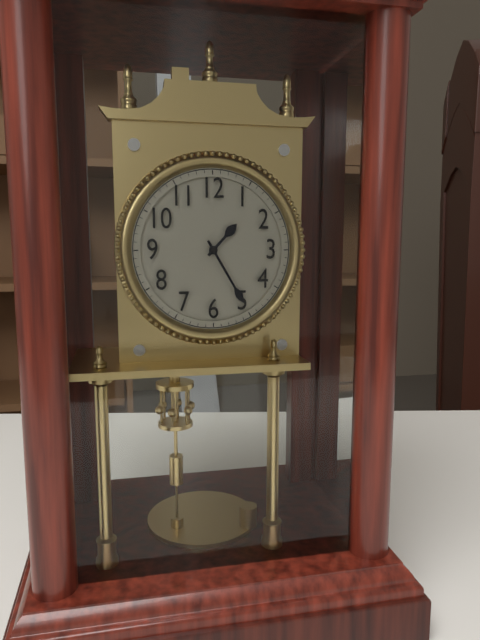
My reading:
1h25
